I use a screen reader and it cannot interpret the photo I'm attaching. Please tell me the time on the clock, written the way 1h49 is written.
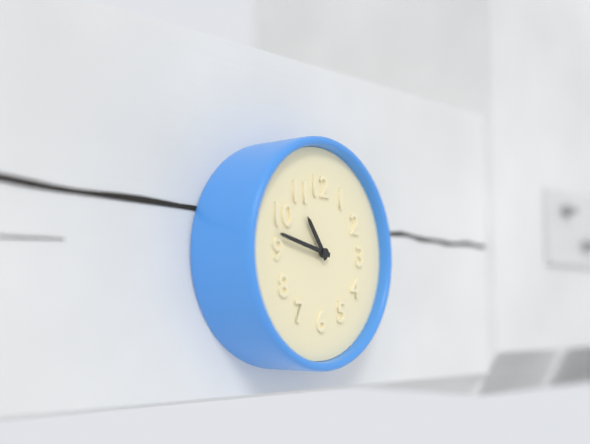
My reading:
10h47
